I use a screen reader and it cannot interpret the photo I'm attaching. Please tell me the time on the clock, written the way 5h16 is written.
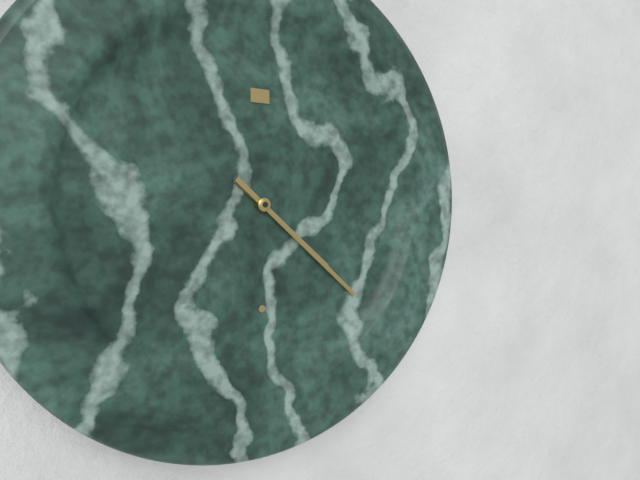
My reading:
4h22
